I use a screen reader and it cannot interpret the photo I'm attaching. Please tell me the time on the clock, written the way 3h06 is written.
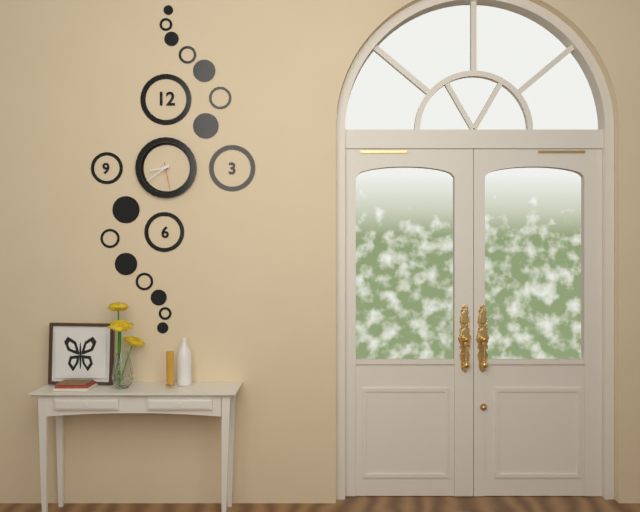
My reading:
8h39
